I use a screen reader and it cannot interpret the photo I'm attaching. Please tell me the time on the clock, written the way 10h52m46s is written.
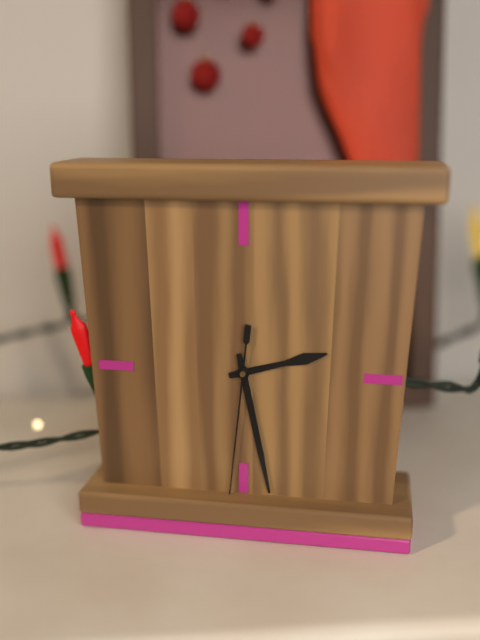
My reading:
2h28m31s
